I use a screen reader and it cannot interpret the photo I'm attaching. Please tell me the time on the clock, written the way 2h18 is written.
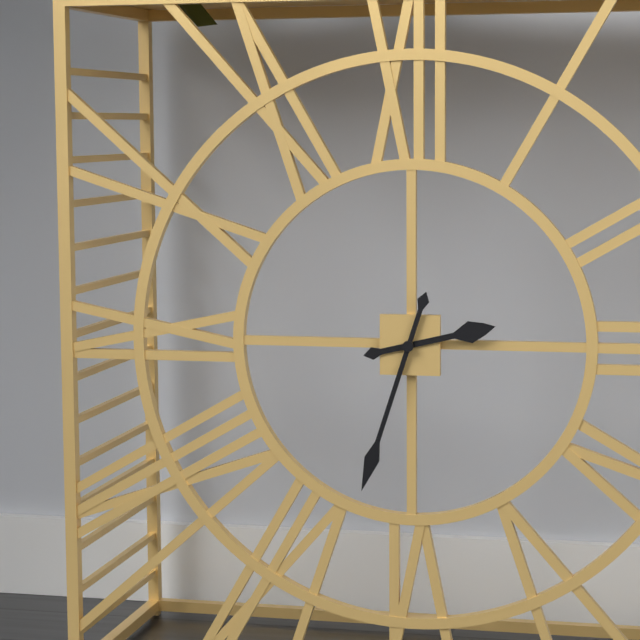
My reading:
2h33
